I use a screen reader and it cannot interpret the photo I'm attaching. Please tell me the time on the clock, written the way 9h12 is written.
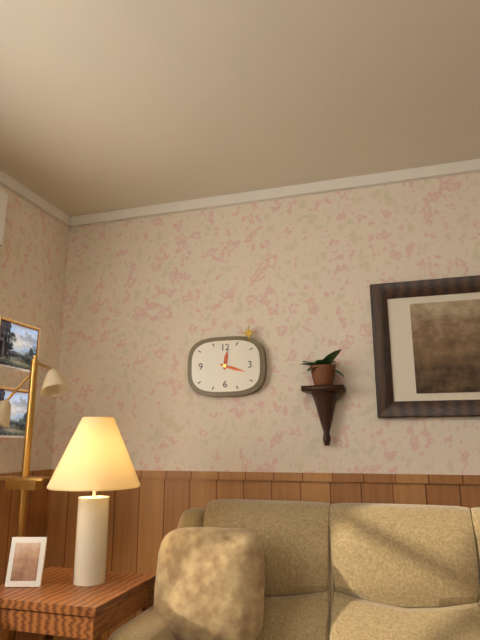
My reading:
12h18
